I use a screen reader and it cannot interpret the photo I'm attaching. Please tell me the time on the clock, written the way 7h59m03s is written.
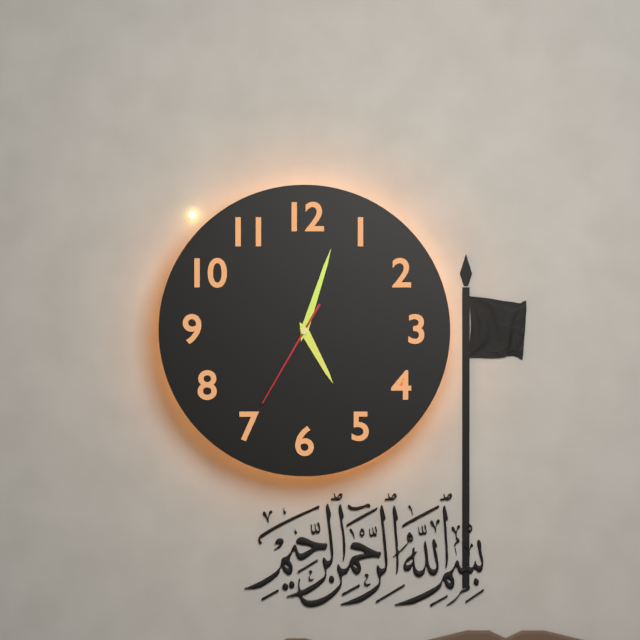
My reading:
5h03m35s
